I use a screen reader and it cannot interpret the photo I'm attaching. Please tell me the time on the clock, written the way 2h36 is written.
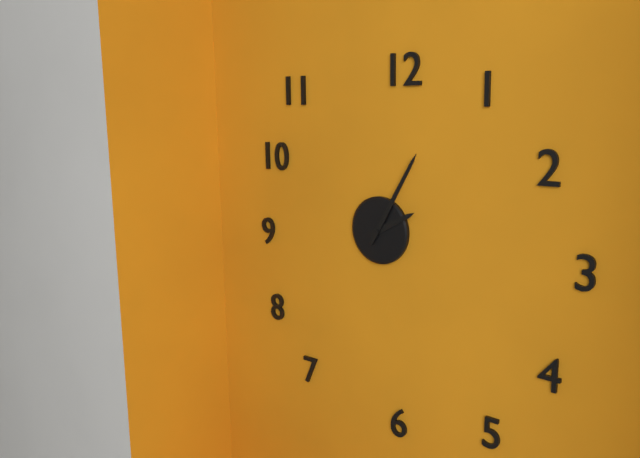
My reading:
2h05
